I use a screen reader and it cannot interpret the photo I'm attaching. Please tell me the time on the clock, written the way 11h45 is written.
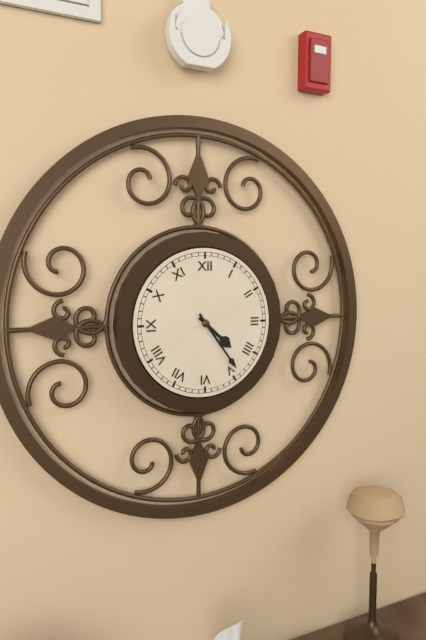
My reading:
4h24
